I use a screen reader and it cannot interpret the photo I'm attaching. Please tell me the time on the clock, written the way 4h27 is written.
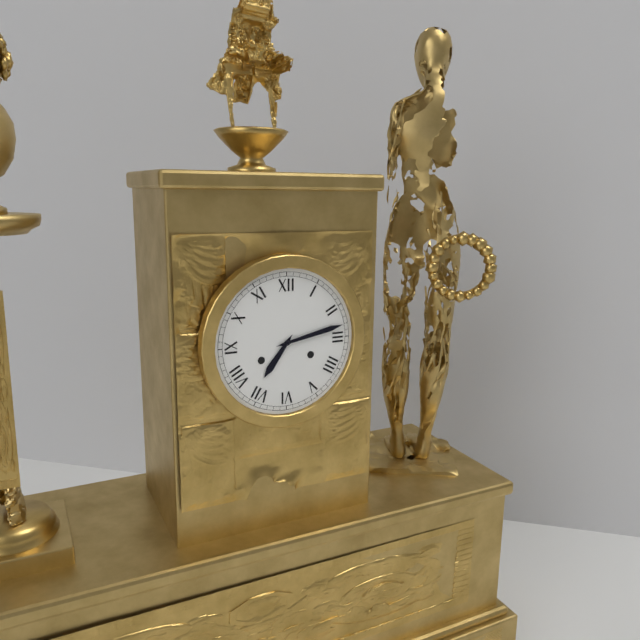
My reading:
7h13
